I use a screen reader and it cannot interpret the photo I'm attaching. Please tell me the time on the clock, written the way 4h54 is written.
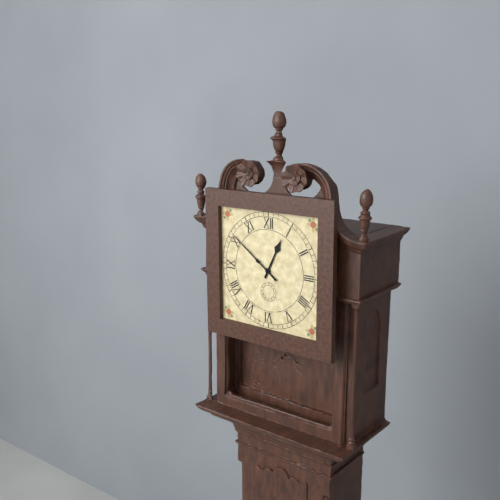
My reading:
12h51
